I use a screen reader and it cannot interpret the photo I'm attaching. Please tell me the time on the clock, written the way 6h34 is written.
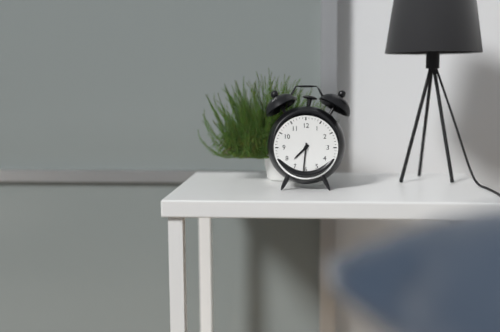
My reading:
7h31
